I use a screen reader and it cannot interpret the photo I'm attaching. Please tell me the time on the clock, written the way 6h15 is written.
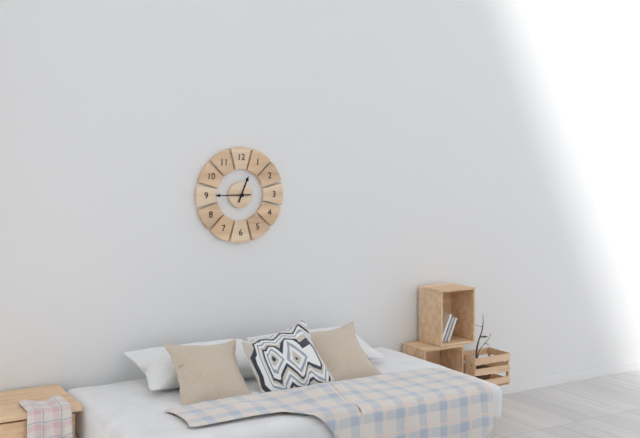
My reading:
12h45
